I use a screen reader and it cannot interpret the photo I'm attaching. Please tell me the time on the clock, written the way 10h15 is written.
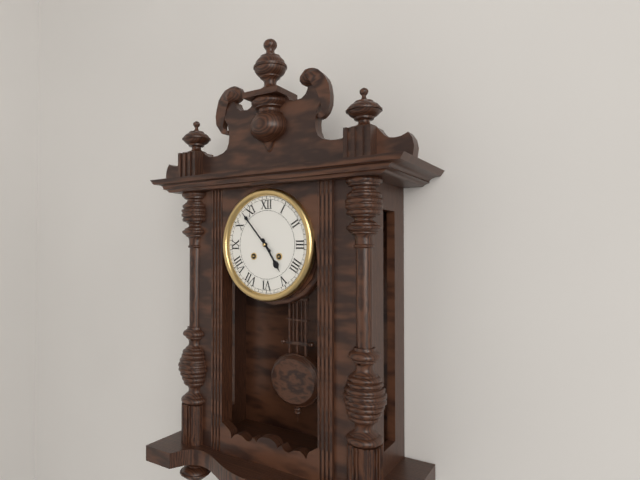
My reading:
4h53
